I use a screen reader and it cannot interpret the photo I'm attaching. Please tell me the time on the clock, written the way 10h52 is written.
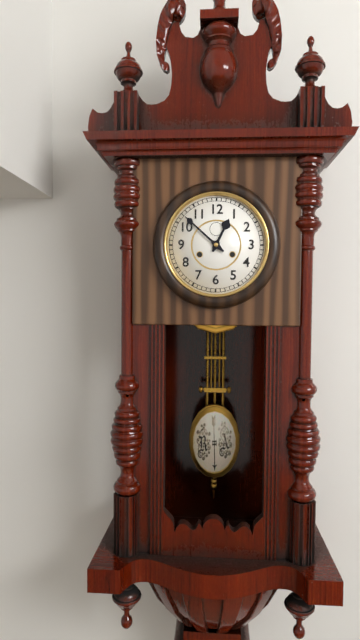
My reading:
12h52
